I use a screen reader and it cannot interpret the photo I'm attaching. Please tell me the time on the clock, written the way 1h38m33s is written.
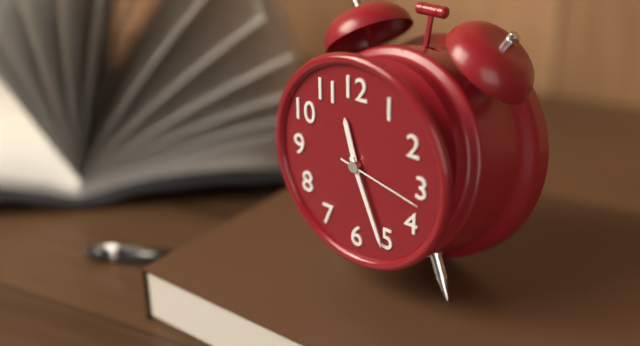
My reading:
11h26m17s
